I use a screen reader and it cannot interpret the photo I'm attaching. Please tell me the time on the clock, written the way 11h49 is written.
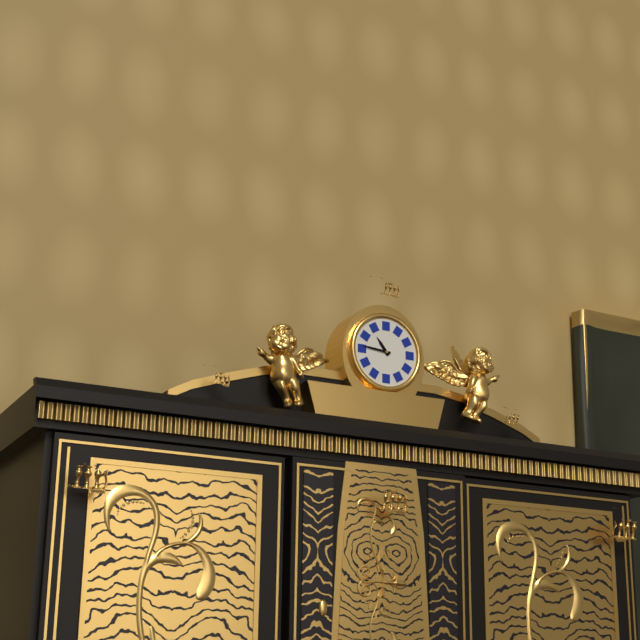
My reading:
10h46
